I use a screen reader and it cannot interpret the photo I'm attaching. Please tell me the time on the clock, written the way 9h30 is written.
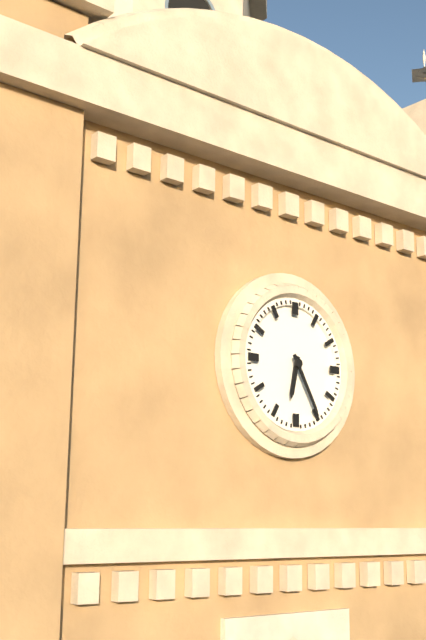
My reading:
6h25
